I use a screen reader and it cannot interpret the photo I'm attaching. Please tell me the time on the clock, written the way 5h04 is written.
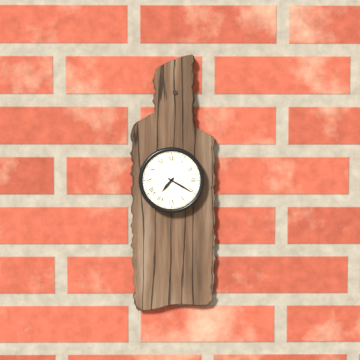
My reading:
7h20
